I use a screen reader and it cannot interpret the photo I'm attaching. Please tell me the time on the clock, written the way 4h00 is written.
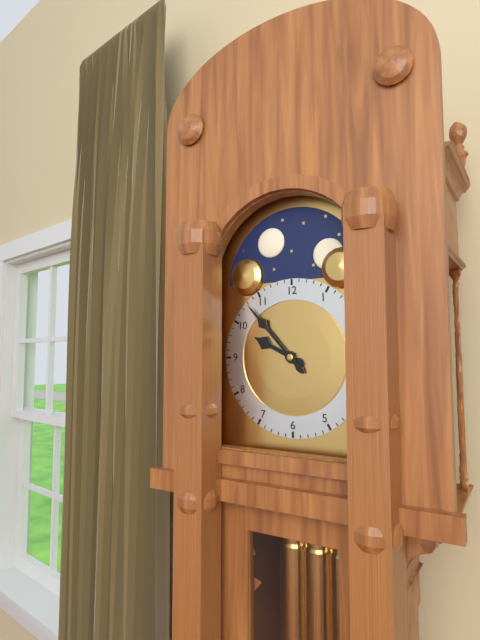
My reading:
9h53
